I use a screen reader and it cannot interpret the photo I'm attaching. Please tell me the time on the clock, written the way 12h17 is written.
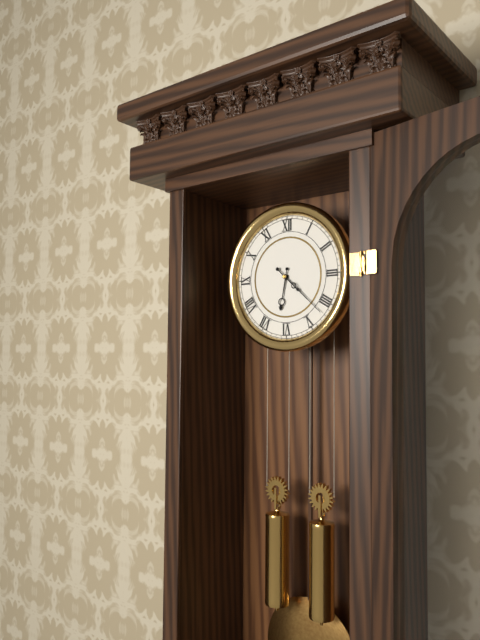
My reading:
6h22
